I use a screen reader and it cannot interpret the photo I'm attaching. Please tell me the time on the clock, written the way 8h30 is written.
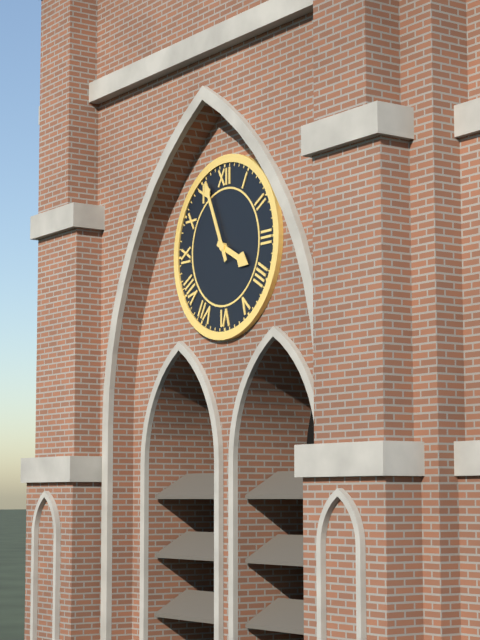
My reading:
3h56
